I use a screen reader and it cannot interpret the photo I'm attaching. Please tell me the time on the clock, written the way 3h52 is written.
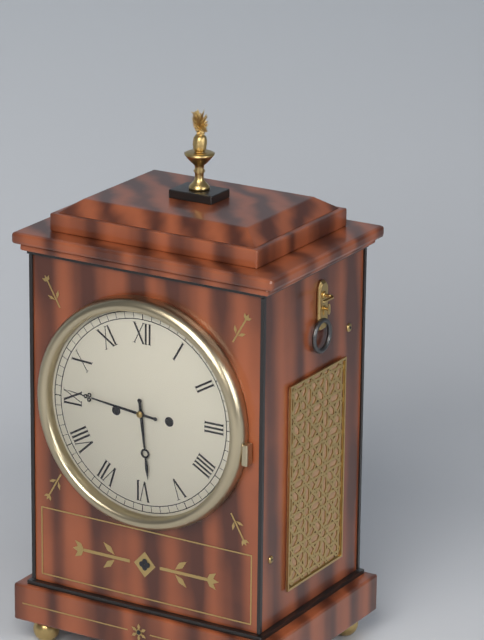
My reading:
5h46
